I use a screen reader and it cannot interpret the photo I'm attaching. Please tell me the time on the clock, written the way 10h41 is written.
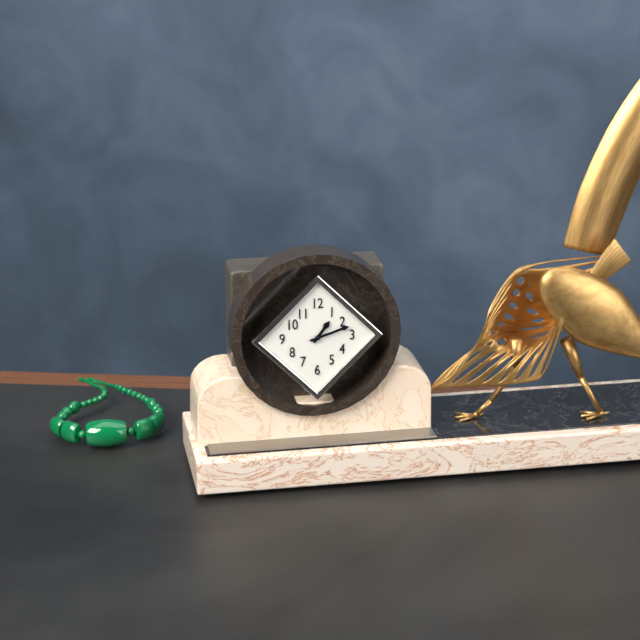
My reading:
1h12
